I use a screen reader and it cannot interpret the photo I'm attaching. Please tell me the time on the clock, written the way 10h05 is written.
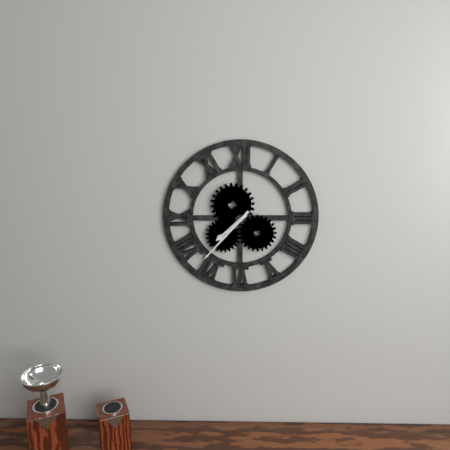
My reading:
7h37
